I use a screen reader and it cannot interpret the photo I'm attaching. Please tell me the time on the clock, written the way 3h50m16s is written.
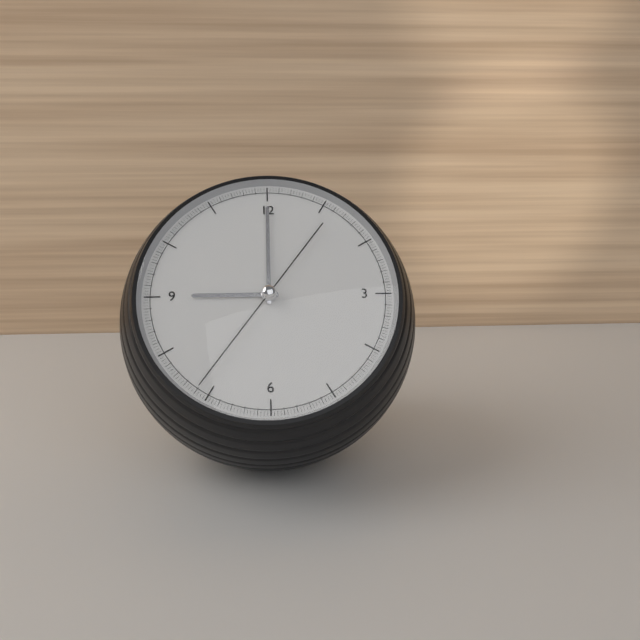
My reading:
9h00m36s
